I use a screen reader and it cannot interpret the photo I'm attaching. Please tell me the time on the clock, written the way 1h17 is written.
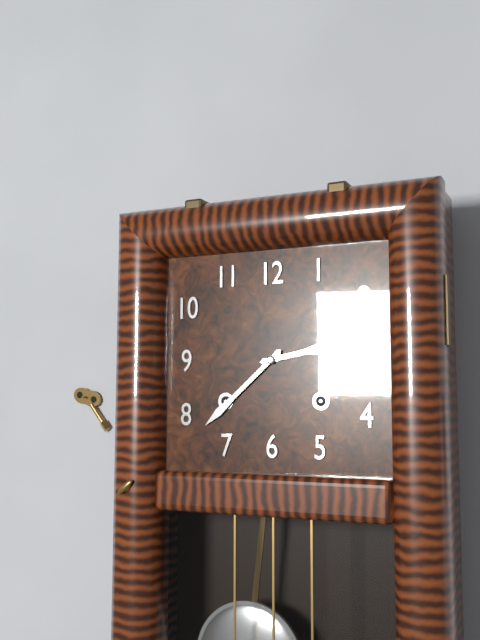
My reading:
2h38
